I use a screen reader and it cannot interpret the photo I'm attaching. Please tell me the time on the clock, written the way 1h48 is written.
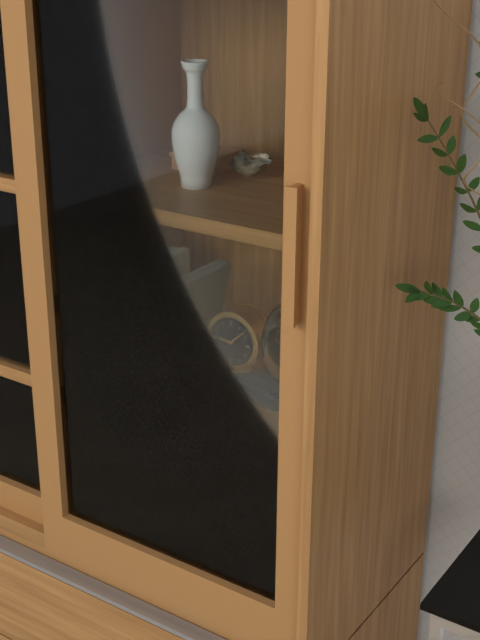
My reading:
9h08
